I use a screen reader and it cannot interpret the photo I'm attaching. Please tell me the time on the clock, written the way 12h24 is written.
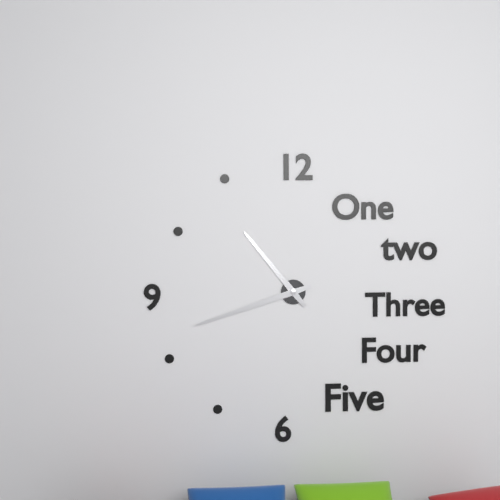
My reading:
10h42
